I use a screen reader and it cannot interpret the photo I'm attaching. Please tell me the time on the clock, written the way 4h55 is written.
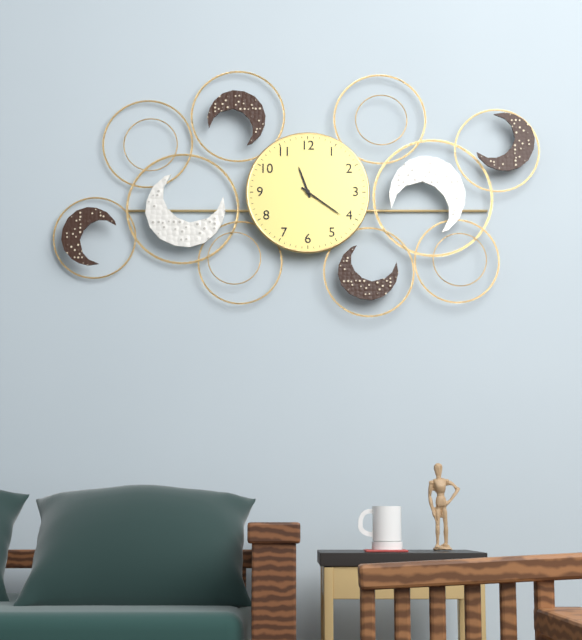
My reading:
11h21
